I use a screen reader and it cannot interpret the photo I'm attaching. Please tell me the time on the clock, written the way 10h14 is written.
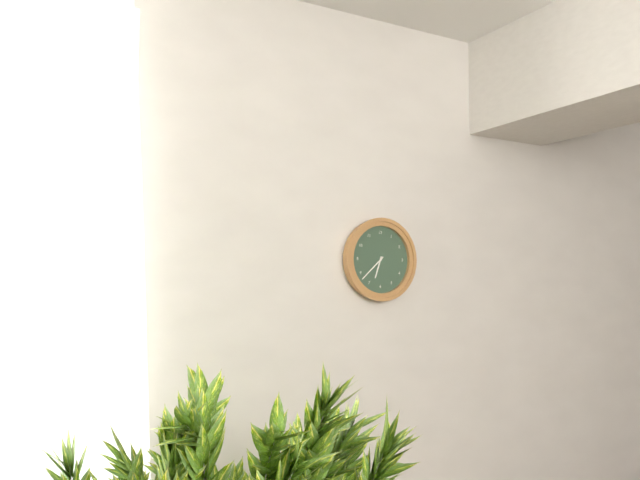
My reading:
6h38
